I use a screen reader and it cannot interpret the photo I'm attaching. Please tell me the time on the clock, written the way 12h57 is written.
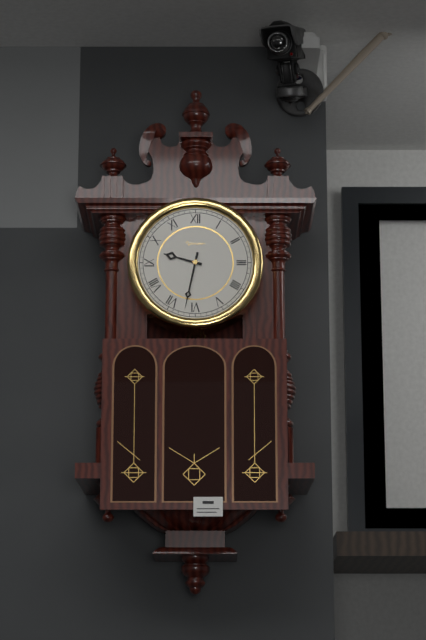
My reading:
9h32
